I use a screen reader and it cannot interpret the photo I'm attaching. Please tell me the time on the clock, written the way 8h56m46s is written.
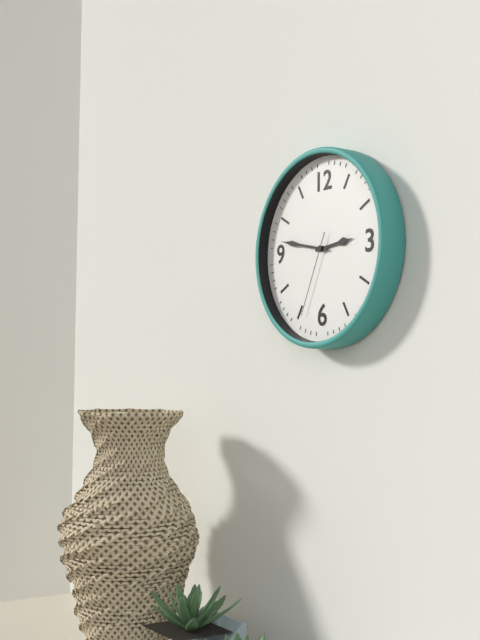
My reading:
2h47m34s
